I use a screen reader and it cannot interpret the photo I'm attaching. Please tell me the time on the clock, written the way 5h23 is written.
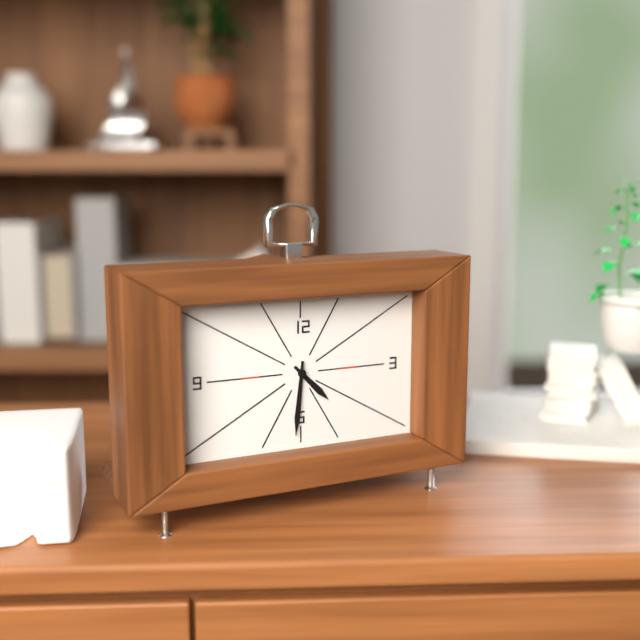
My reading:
4h31
